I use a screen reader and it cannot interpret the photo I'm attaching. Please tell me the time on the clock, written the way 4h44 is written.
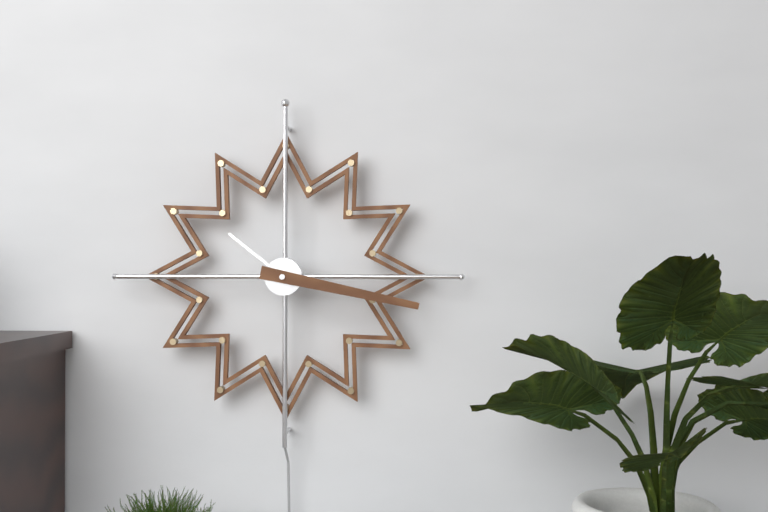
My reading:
10h17
